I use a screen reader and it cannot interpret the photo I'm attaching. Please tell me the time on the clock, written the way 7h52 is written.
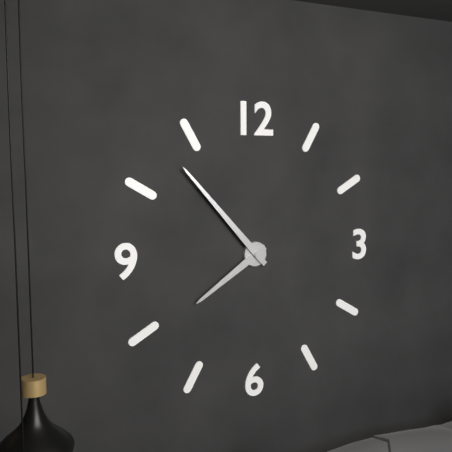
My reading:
7h53
